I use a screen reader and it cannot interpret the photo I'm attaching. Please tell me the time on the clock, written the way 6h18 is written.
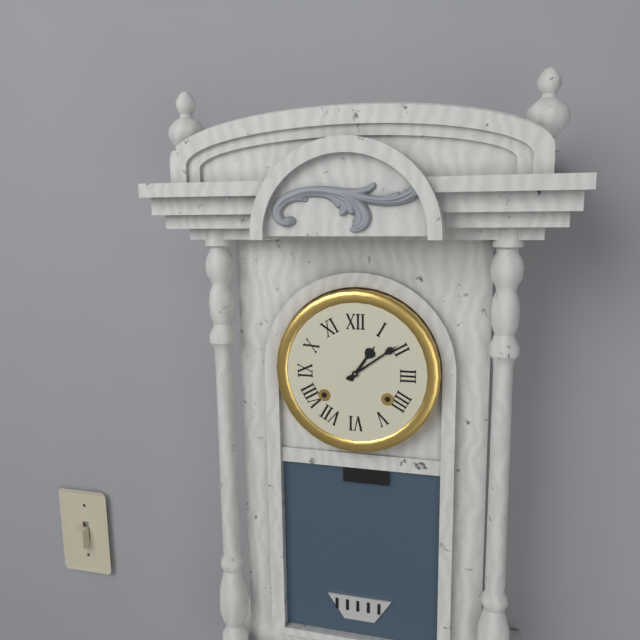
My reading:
1h09
